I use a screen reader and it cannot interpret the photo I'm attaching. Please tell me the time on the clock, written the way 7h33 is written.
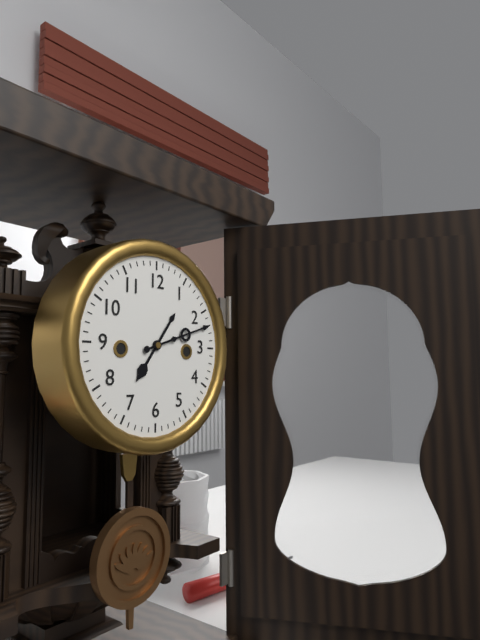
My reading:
7h12
